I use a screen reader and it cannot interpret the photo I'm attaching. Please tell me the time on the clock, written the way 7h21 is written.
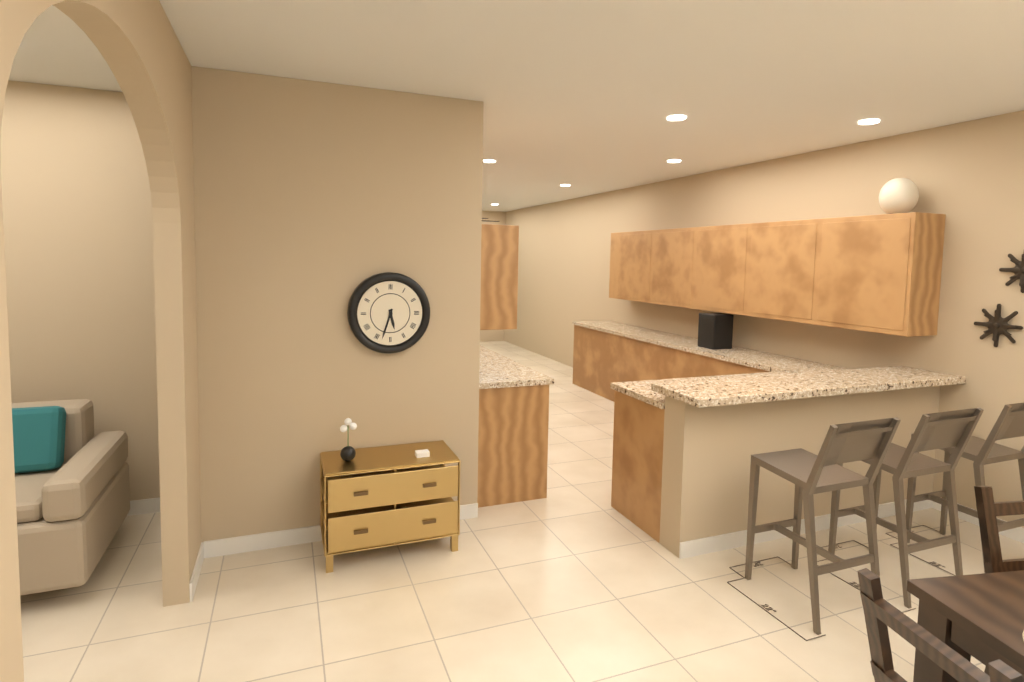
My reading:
5h33
